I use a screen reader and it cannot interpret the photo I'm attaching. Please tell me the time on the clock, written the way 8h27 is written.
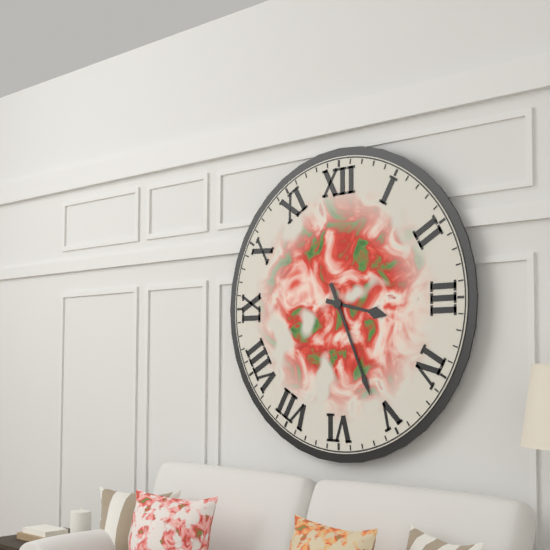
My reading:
3h26
